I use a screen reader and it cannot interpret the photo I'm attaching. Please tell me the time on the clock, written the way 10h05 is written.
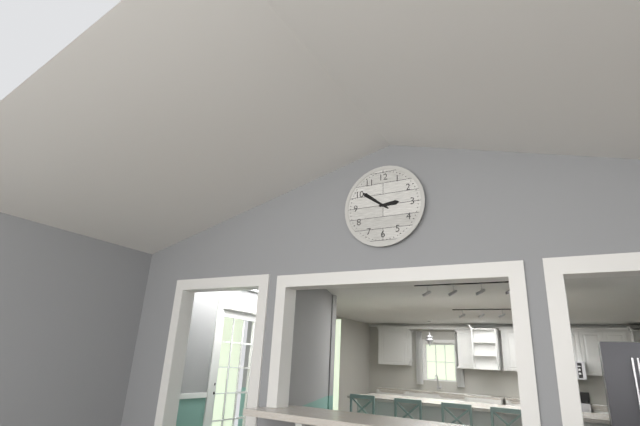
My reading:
2h51
